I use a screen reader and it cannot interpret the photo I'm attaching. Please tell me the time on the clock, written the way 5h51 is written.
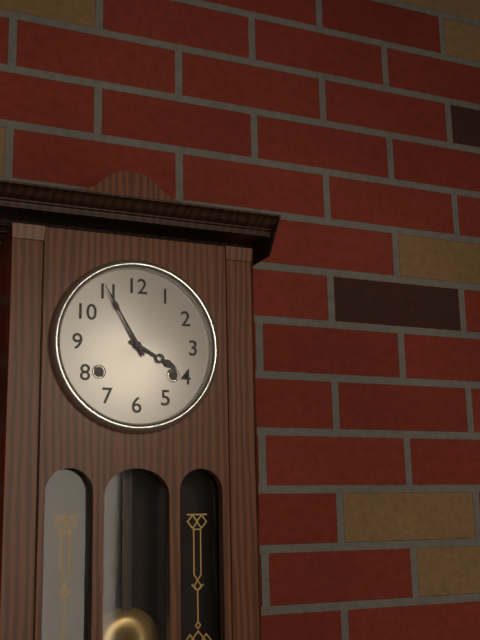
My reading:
3h55
